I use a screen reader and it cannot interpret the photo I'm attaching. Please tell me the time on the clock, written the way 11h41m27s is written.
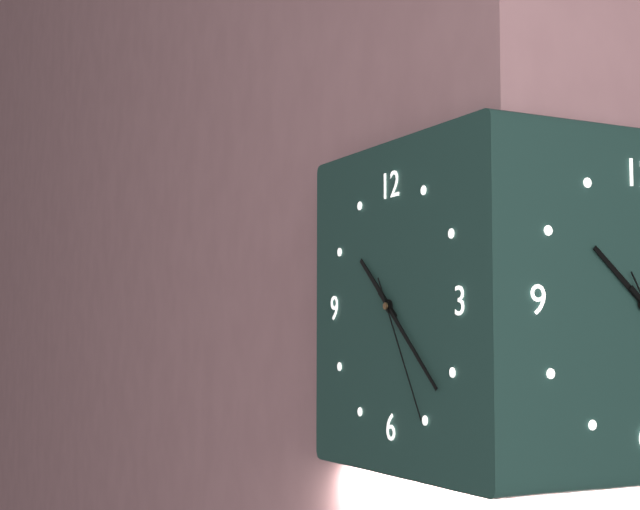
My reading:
10h22m25s
